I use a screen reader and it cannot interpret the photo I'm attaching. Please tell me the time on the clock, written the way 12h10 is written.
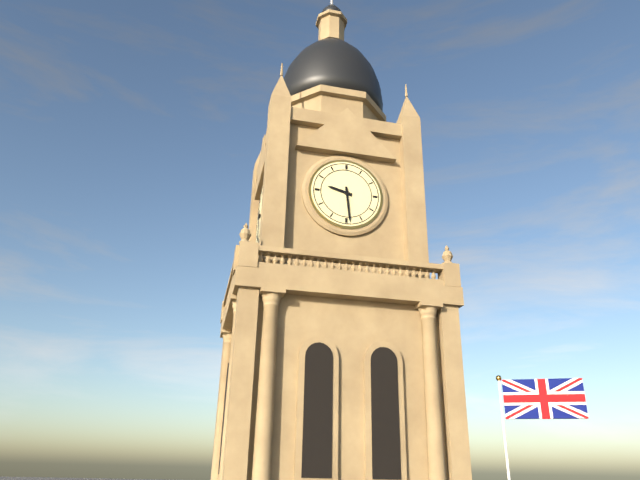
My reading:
9h29
